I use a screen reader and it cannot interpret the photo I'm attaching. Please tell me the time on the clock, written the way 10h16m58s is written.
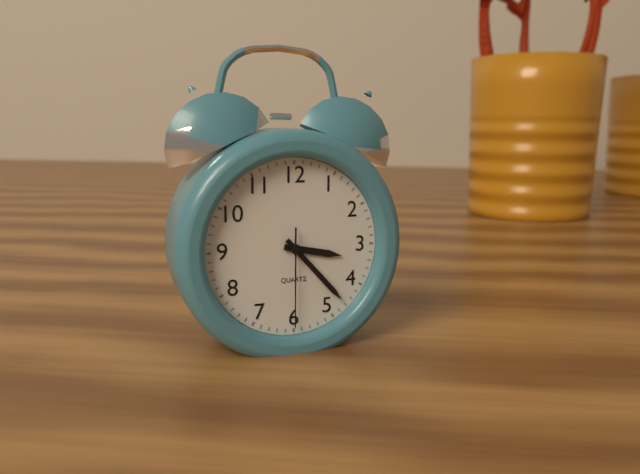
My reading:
3h23m30s
